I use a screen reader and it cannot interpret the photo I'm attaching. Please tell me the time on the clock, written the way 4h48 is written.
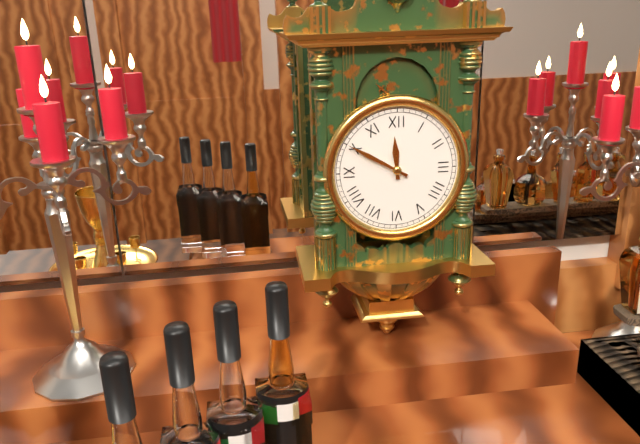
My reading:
11h50
